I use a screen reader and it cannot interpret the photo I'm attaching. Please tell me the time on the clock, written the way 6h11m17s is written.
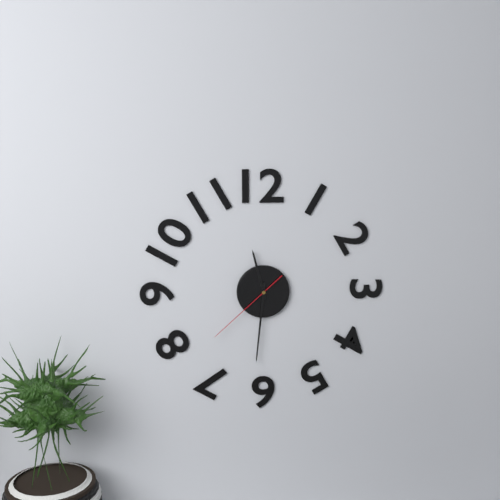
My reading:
11h31m38s
